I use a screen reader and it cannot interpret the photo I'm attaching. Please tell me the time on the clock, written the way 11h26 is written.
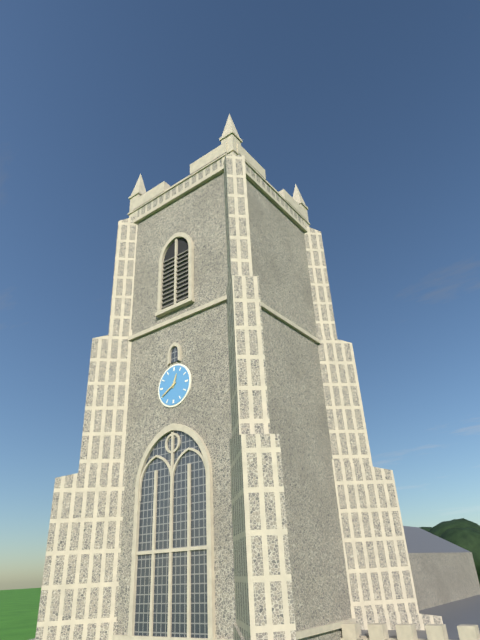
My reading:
12h40
